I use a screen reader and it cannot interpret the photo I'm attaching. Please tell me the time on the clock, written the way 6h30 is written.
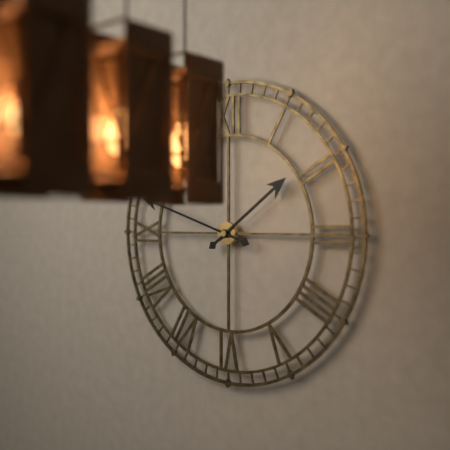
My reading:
1h48
